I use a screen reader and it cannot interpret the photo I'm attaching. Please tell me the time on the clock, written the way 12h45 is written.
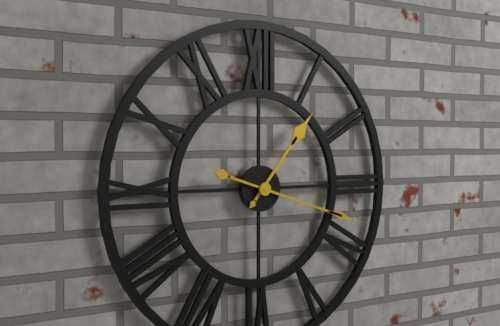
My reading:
1h18
